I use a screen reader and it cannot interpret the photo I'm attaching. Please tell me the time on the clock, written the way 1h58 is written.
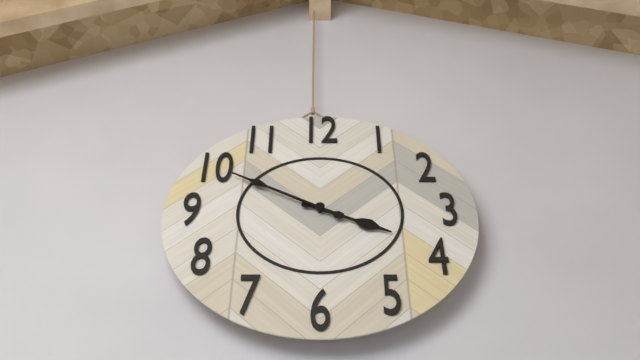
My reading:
3h50
